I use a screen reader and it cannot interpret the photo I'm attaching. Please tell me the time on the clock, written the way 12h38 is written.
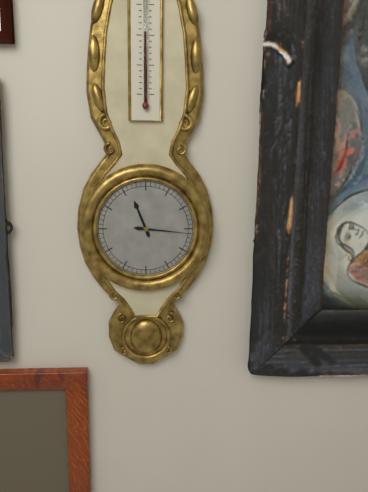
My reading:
11h16
